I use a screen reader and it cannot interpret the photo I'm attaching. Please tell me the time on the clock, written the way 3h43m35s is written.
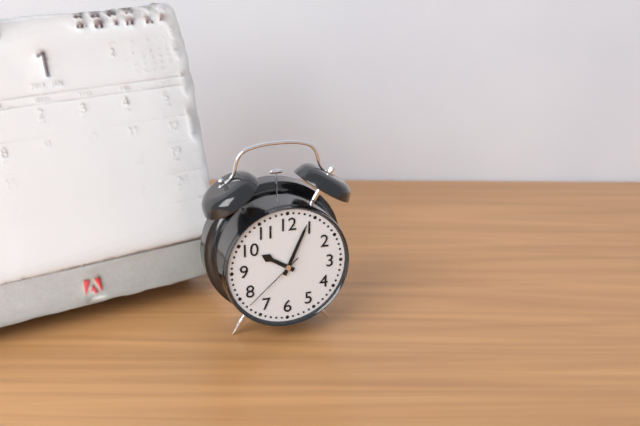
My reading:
10h04m38s
